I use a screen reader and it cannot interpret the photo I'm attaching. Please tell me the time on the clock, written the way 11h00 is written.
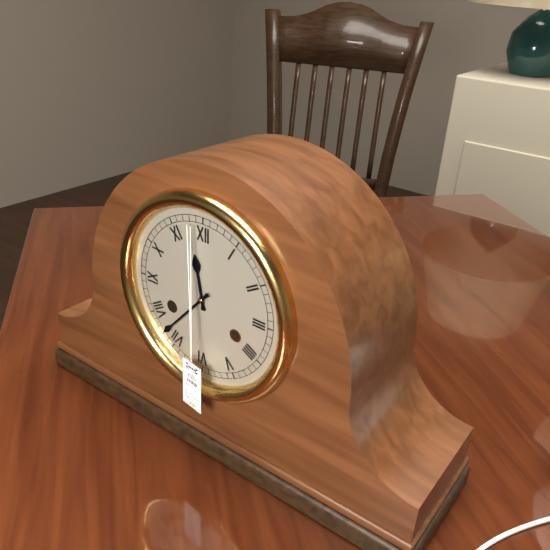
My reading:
11h37
